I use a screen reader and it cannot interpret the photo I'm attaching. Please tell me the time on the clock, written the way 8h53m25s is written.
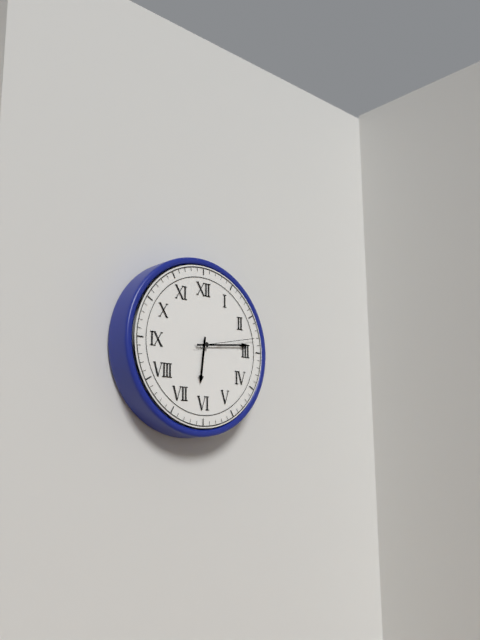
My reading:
6h14m13s
